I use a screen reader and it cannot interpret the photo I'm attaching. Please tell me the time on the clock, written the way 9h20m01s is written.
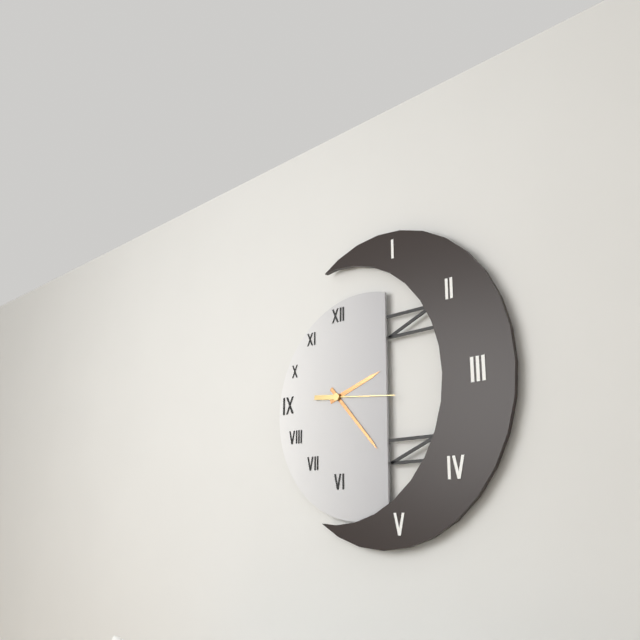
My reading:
2h23m16s
